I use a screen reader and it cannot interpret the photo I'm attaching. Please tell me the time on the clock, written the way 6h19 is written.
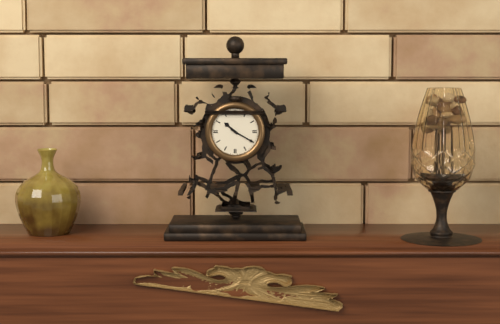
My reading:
10h20
